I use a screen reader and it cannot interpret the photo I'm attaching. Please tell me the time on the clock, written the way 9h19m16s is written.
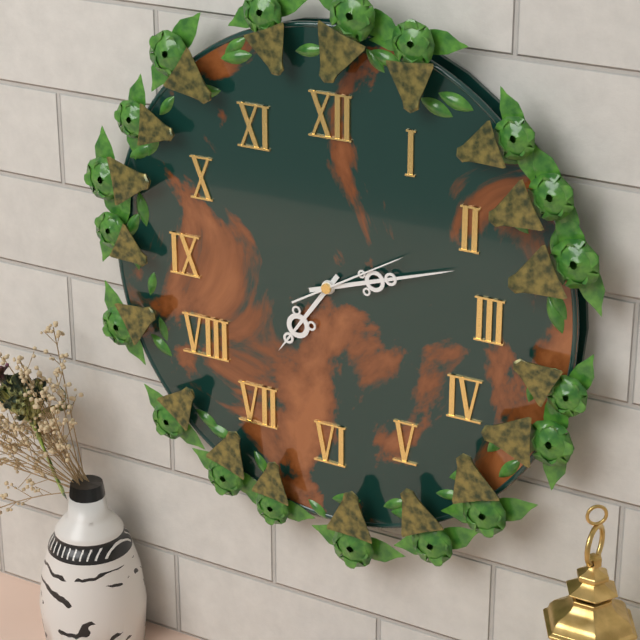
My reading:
7h12m10s
